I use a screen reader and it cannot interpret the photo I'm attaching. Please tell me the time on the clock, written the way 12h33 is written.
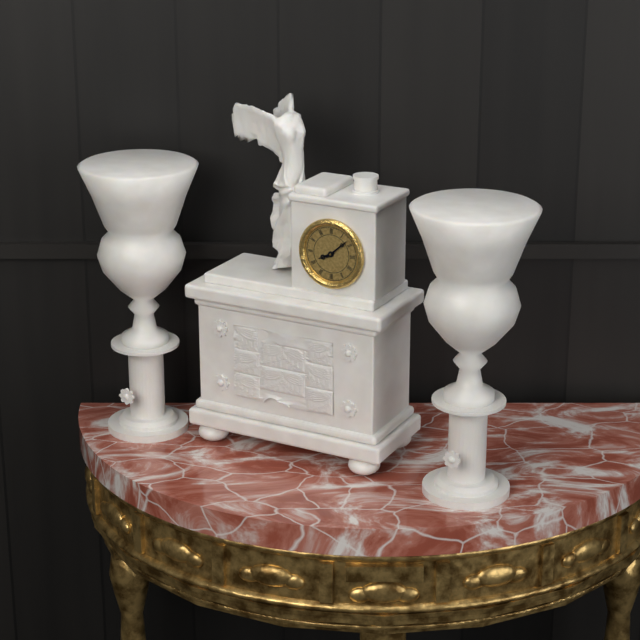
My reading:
8h08
